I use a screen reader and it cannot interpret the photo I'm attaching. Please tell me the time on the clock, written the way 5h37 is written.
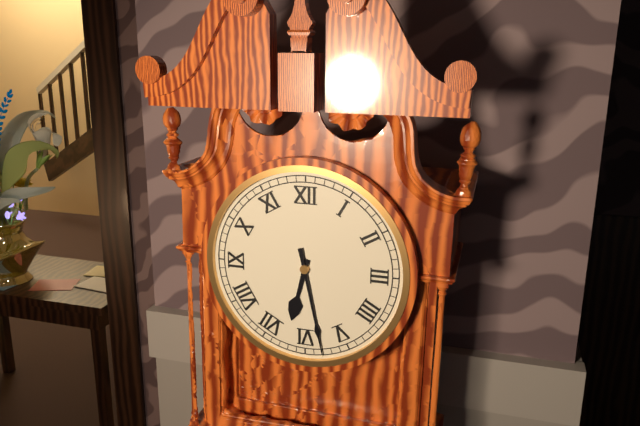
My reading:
6h28
